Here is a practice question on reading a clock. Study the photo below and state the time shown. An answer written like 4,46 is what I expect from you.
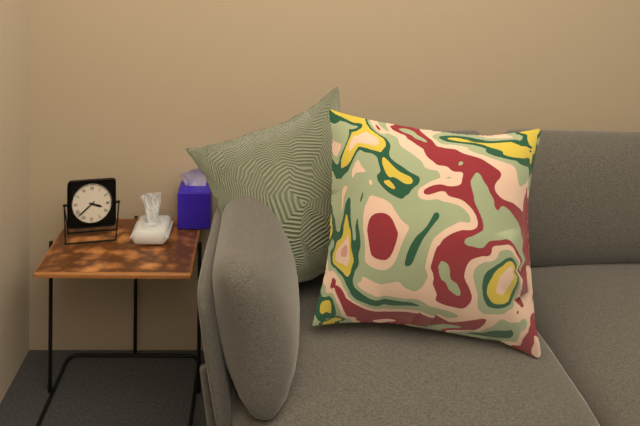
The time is 3,38
